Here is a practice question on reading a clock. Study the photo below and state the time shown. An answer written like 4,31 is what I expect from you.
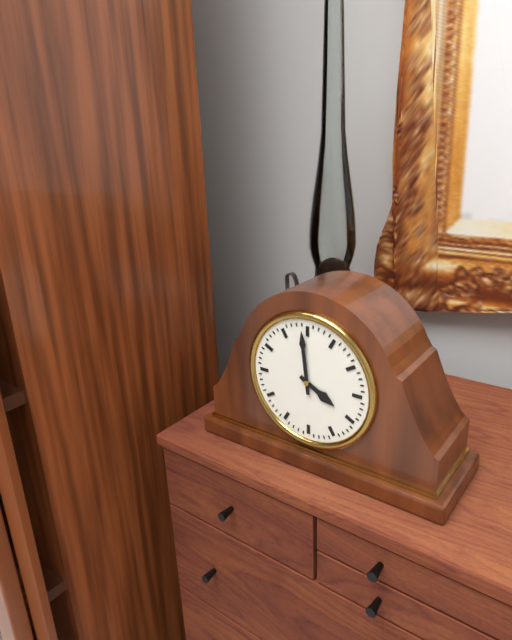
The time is 3,59
